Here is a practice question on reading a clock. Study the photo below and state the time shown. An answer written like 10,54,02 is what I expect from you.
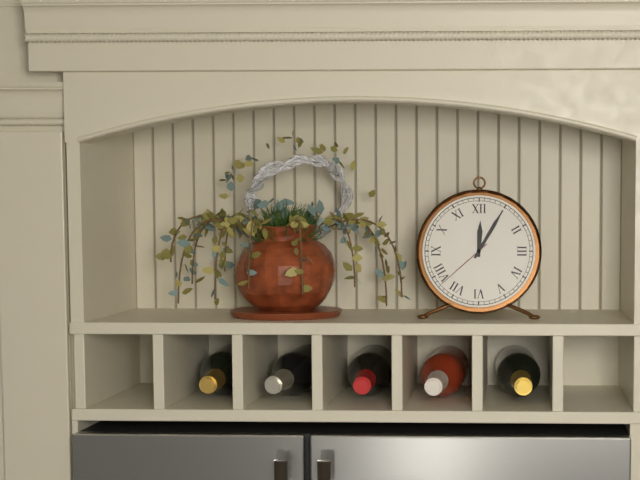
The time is 12,05,38
